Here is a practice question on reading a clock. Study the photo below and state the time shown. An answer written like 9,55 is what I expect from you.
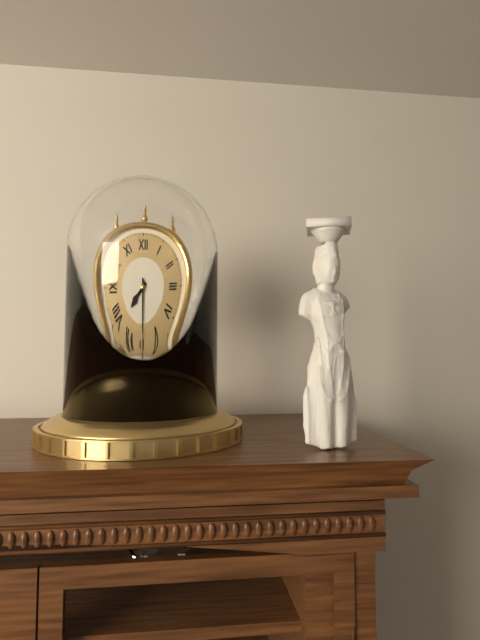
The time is 7,30
